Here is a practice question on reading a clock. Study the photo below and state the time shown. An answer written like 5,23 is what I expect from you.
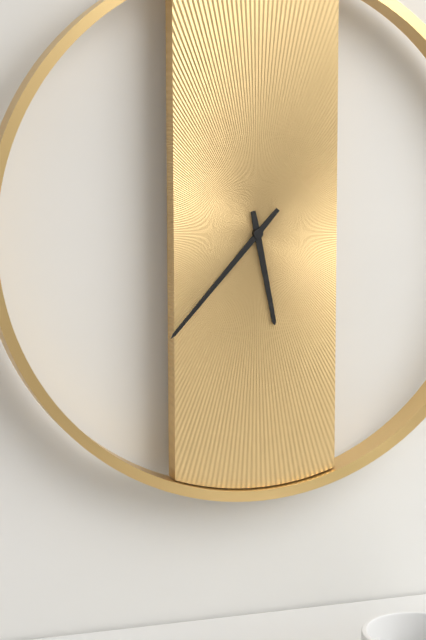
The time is 5,37
